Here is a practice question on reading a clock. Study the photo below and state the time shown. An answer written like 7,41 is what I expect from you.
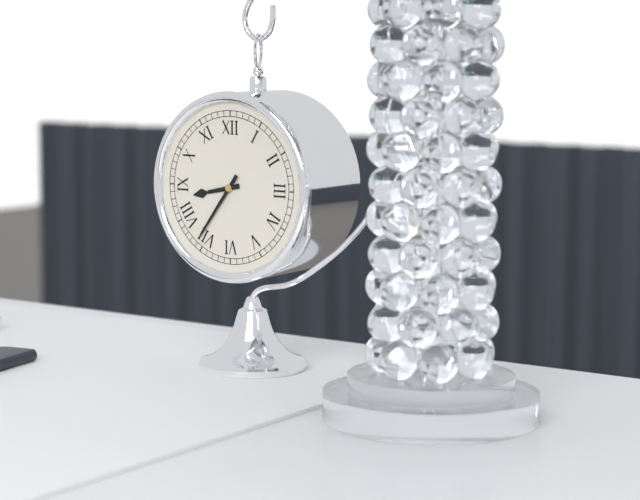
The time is 8,36
